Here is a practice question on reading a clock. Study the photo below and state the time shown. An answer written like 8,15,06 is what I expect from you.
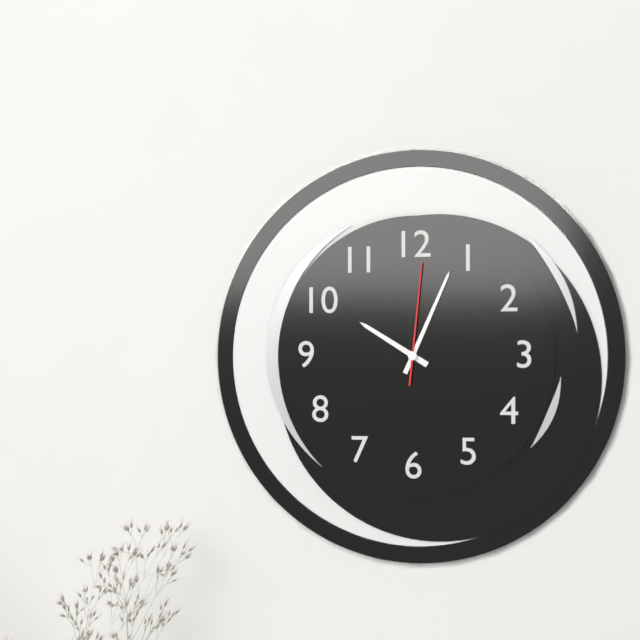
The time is 10,04,01
